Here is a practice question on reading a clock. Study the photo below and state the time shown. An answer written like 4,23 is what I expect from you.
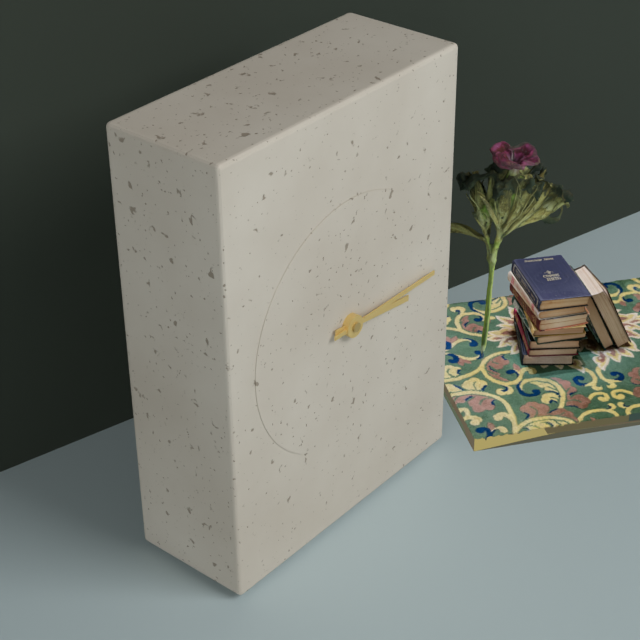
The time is 3,15
